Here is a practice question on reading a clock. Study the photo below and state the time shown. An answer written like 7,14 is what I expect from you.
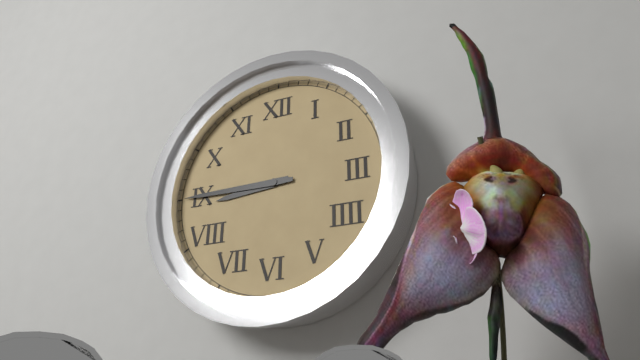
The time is 8,45
